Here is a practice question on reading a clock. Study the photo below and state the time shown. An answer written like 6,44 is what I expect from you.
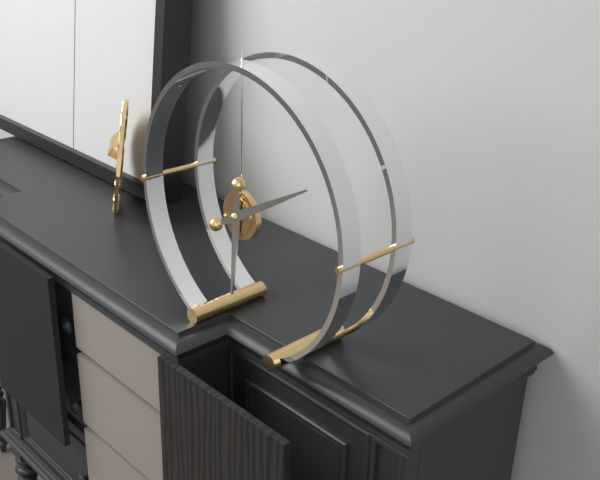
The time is 6,10
